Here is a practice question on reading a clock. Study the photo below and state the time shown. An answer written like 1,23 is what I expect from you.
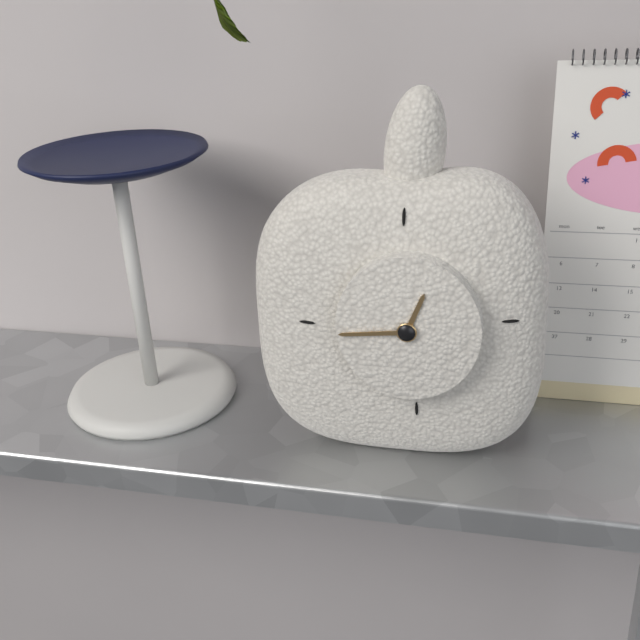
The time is 12,44
